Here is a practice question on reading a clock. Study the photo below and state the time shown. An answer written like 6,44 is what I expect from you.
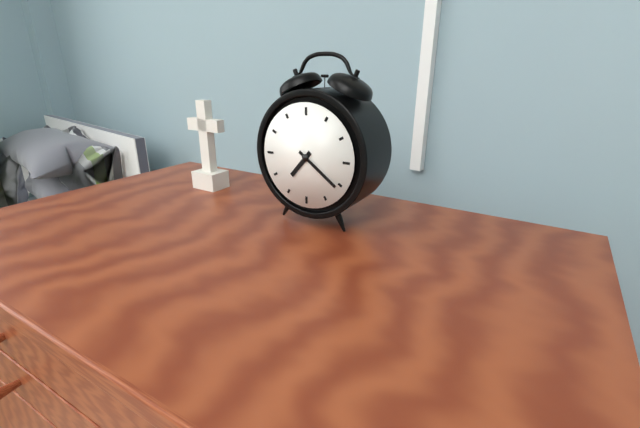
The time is 7,21
